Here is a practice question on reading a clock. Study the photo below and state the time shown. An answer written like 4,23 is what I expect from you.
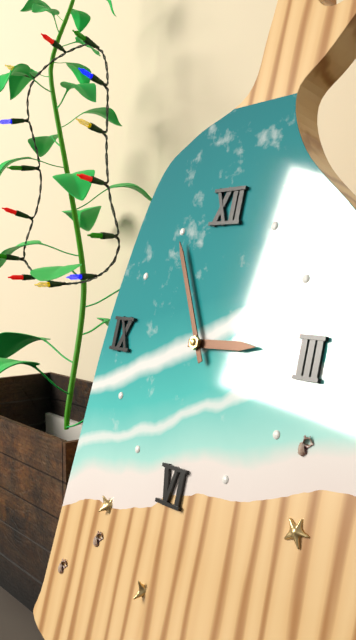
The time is 2,55
